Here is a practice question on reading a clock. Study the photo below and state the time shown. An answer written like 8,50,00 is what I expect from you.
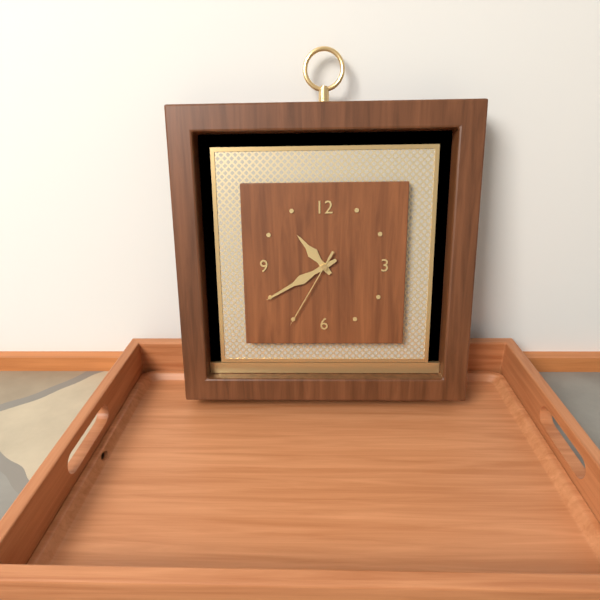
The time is 10,40,35
